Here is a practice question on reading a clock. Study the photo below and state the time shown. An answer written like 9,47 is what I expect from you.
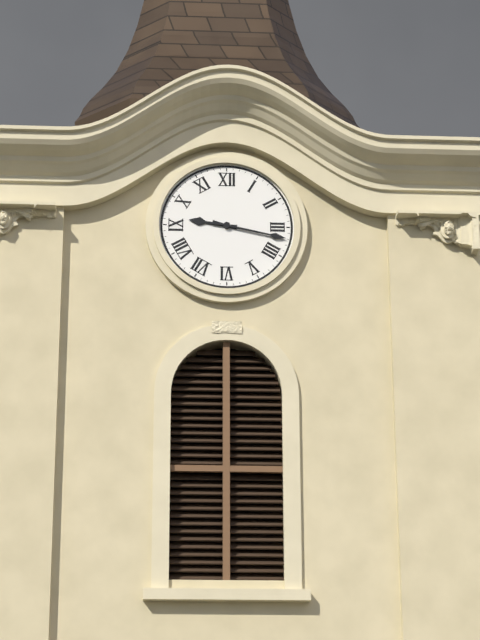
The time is 9,17
